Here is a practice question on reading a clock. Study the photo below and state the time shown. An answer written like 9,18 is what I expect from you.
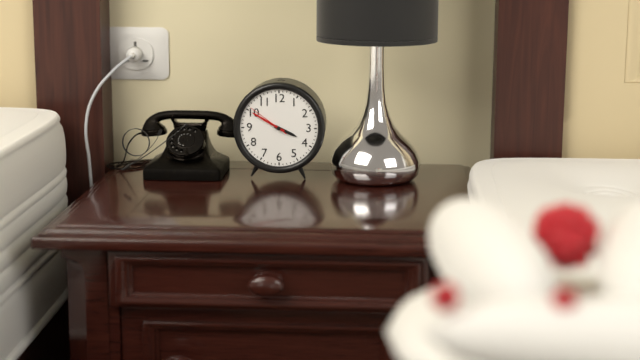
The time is 3,50
